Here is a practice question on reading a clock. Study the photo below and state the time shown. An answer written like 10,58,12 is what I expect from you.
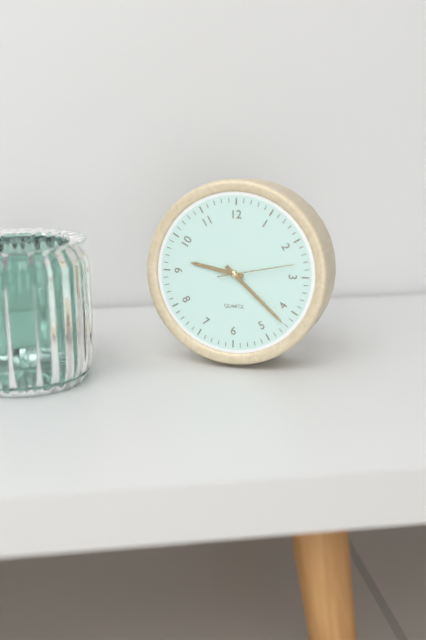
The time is 9,22,13
